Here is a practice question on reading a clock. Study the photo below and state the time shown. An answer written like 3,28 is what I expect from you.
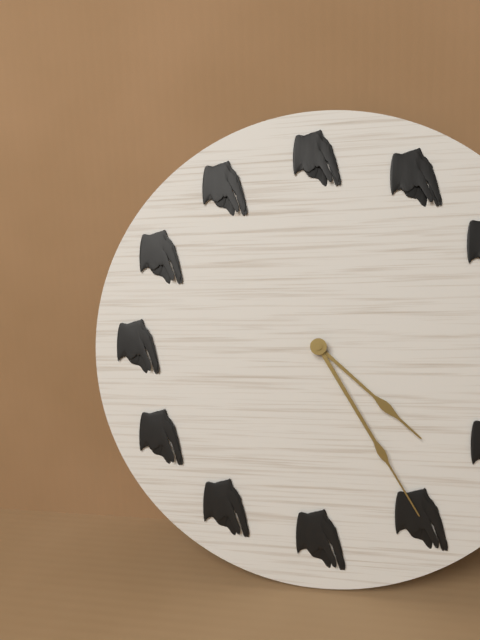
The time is 4,25
